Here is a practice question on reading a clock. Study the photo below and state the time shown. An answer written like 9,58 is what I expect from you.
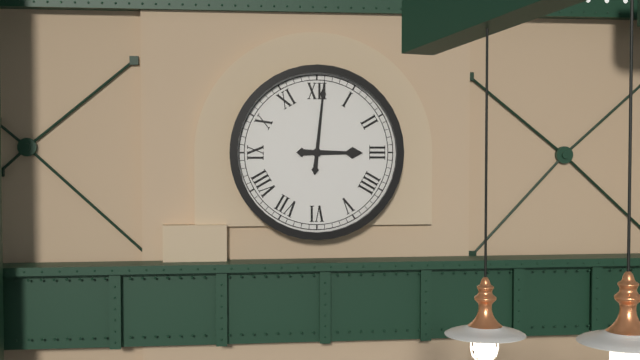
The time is 3,01
